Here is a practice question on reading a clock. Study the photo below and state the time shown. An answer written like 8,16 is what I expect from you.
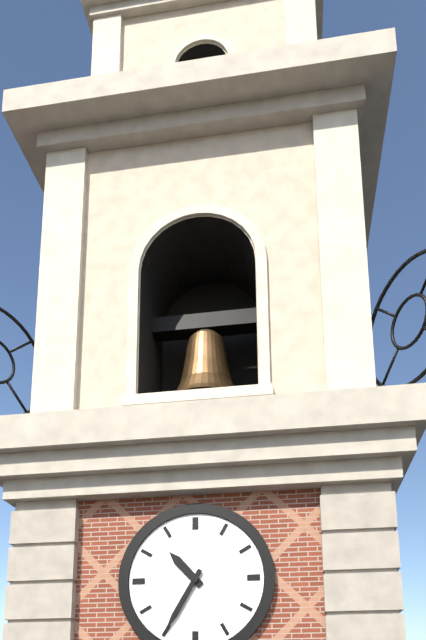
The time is 10,35
